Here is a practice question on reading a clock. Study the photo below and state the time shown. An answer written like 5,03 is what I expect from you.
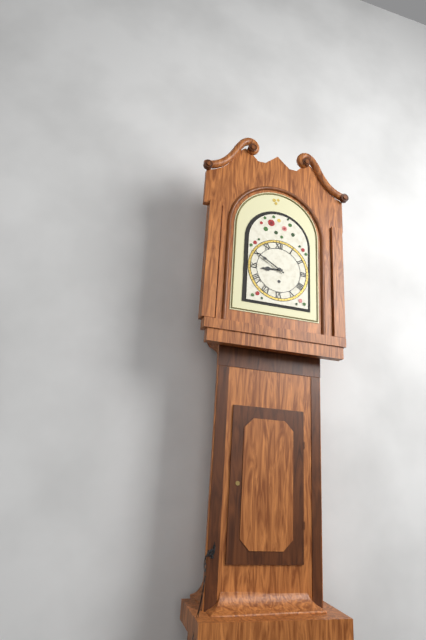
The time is 8,50
